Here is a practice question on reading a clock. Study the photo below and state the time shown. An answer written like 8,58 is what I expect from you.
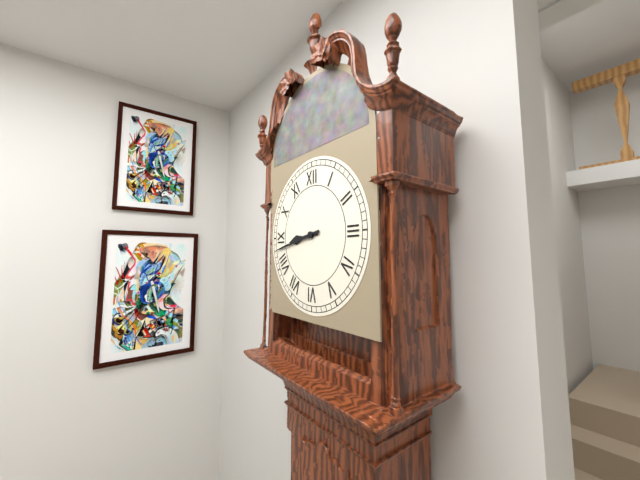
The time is 8,43
